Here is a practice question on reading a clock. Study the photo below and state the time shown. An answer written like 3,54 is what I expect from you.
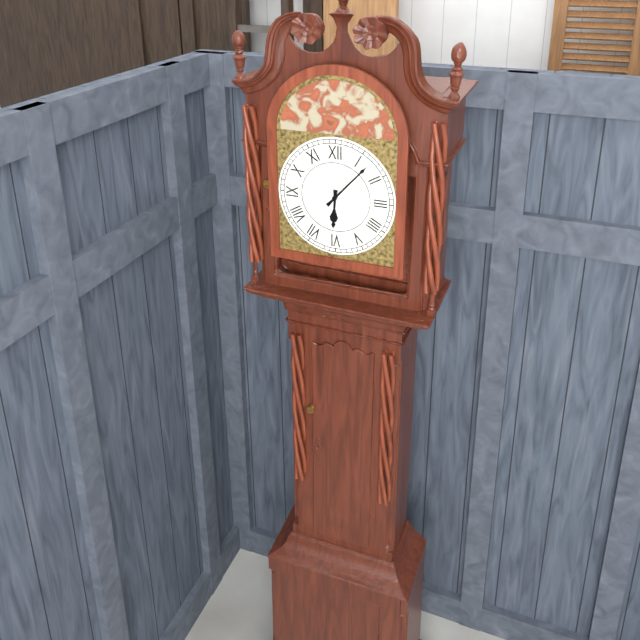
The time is 6,07
